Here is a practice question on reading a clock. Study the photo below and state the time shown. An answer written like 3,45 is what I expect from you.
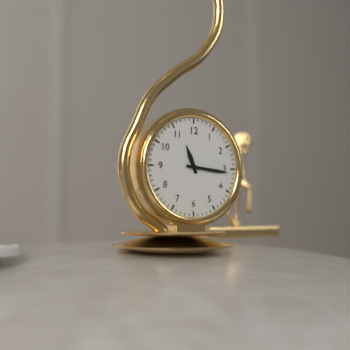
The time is 11,16
